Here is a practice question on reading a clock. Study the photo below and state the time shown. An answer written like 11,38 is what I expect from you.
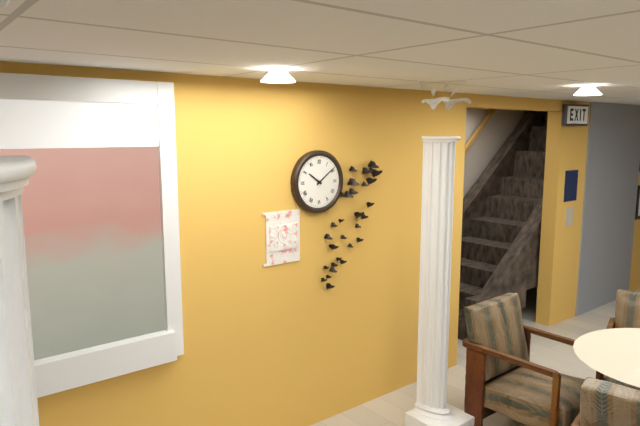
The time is 10,09
